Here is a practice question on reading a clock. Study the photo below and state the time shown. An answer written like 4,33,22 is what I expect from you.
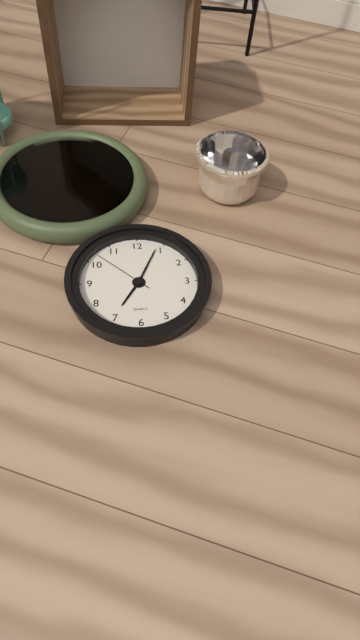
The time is 7,04,52
